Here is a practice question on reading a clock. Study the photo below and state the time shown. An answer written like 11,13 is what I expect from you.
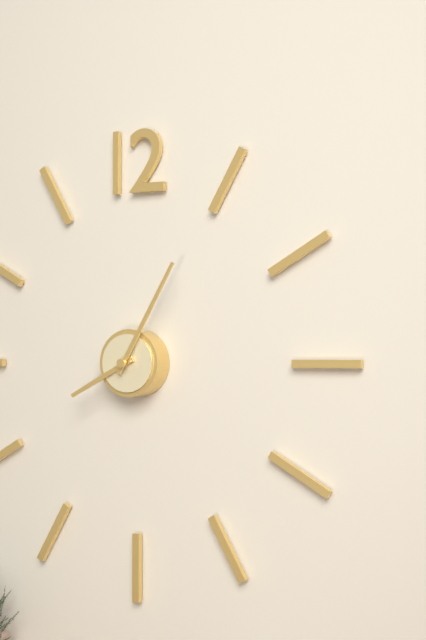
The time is 8,05
